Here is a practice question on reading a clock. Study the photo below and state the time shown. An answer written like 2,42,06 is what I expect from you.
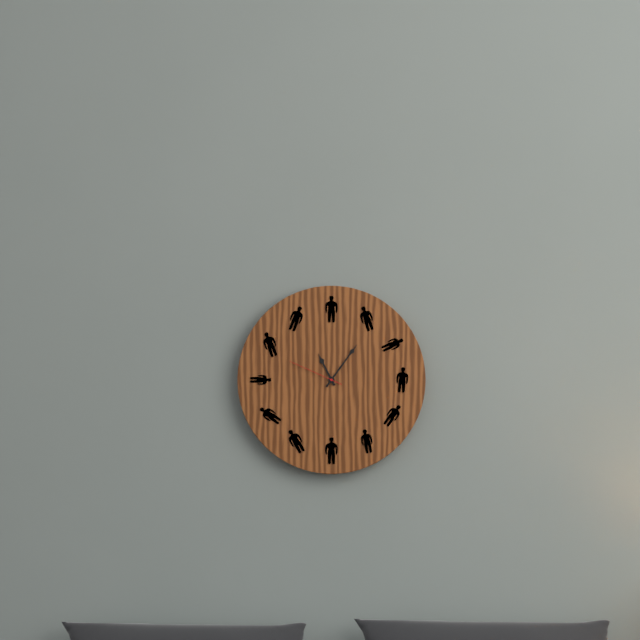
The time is 11,06,49
